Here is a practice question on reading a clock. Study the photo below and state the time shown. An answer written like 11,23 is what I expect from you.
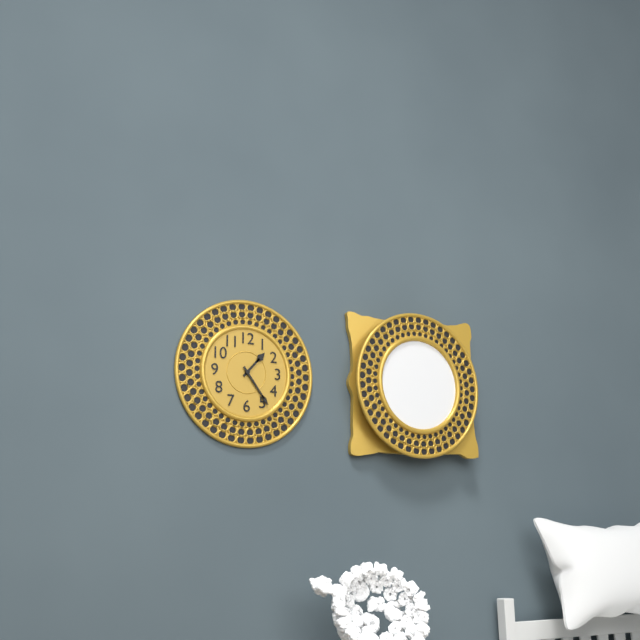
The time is 1,24
